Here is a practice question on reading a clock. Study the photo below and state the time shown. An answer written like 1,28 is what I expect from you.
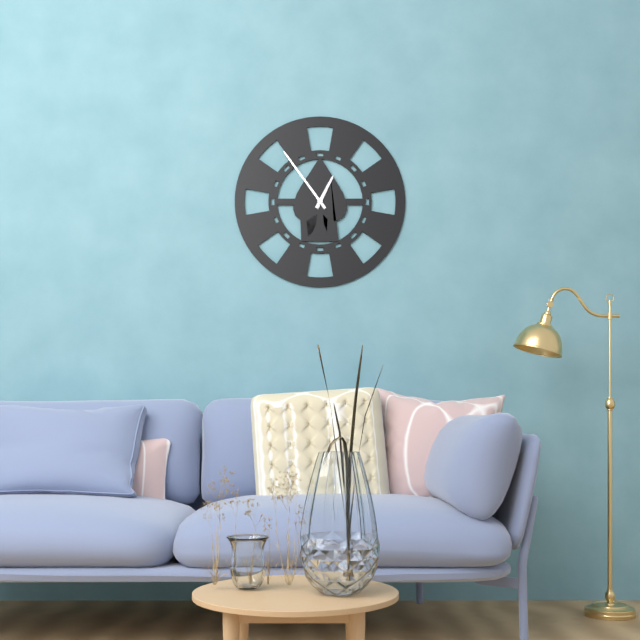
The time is 12,54
